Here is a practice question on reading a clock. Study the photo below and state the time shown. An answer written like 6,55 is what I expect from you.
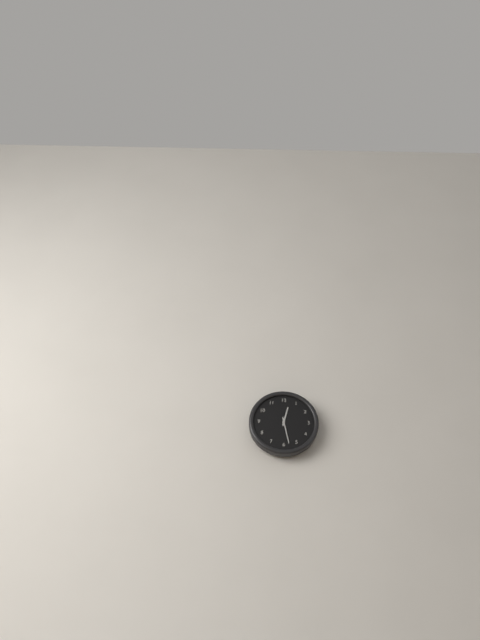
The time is 12,28
